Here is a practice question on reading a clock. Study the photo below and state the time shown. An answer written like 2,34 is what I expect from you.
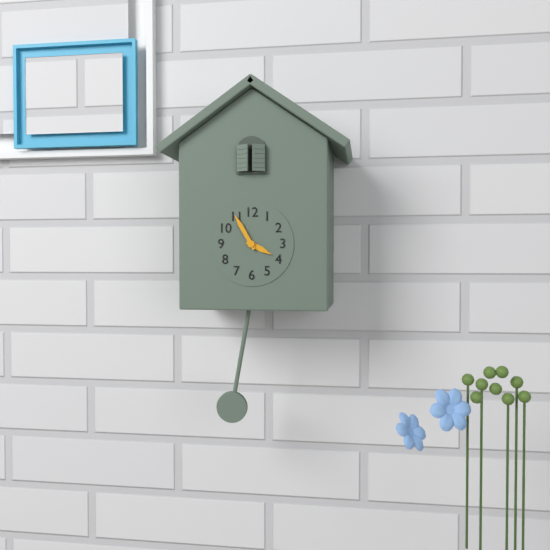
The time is 3,55
